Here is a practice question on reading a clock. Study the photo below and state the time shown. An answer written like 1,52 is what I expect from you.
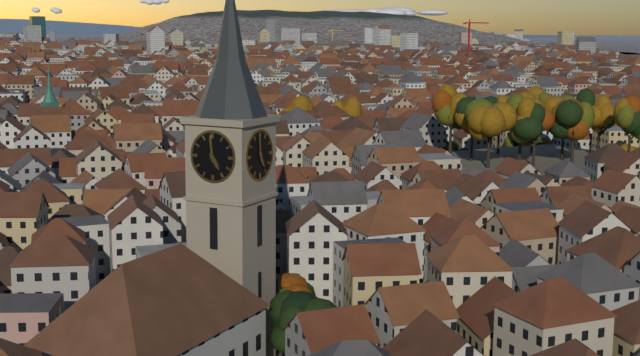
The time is 4,59
